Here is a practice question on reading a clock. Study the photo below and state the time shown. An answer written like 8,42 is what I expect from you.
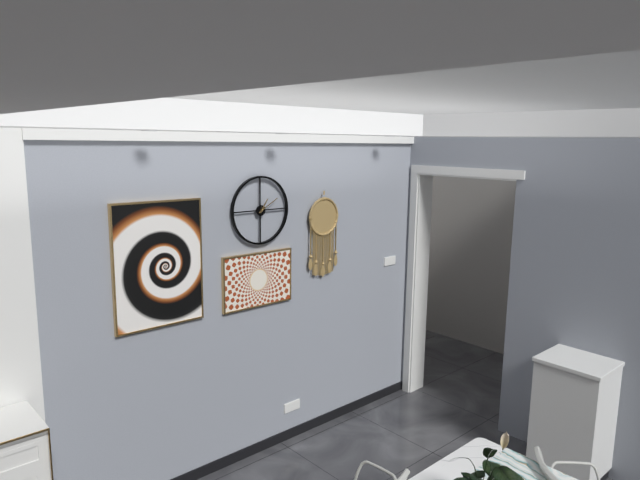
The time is 1,10
